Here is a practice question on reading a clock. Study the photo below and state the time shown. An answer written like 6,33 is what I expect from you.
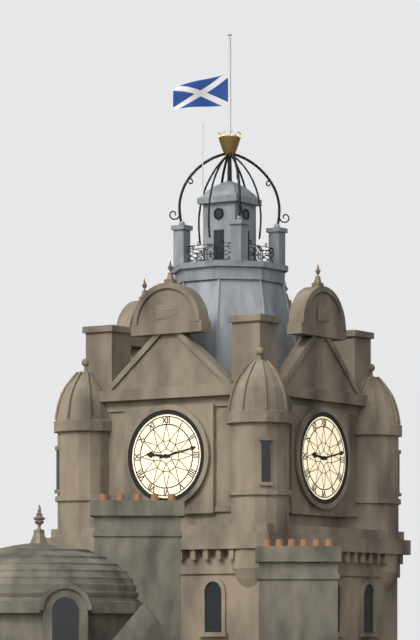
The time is 9,13
